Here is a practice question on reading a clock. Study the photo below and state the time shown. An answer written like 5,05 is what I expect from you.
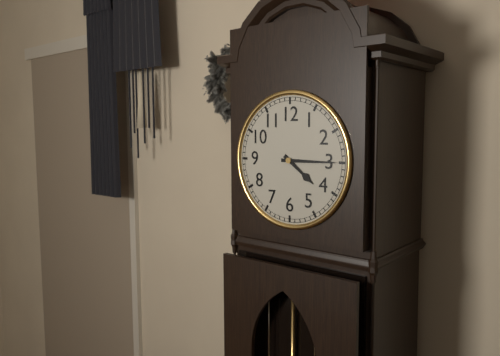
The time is 4,15
